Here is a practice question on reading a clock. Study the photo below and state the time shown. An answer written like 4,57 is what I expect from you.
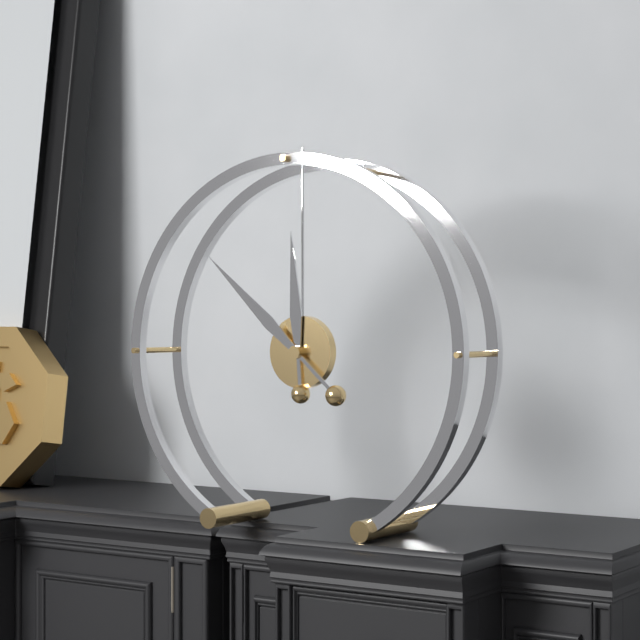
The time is 11,52
